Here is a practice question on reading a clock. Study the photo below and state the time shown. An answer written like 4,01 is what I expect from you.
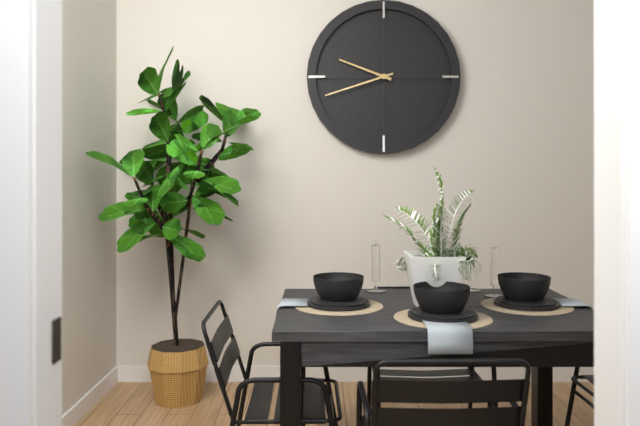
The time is 9,42
